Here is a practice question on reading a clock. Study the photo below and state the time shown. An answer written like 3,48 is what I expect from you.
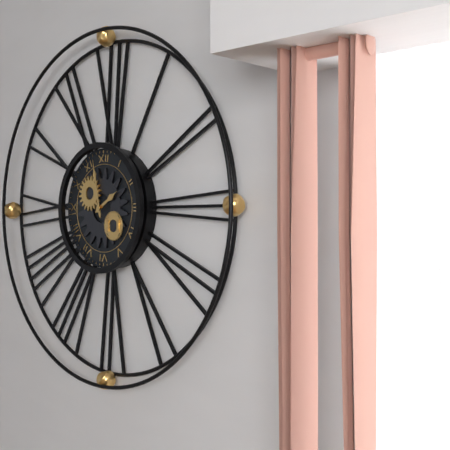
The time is 1,58
